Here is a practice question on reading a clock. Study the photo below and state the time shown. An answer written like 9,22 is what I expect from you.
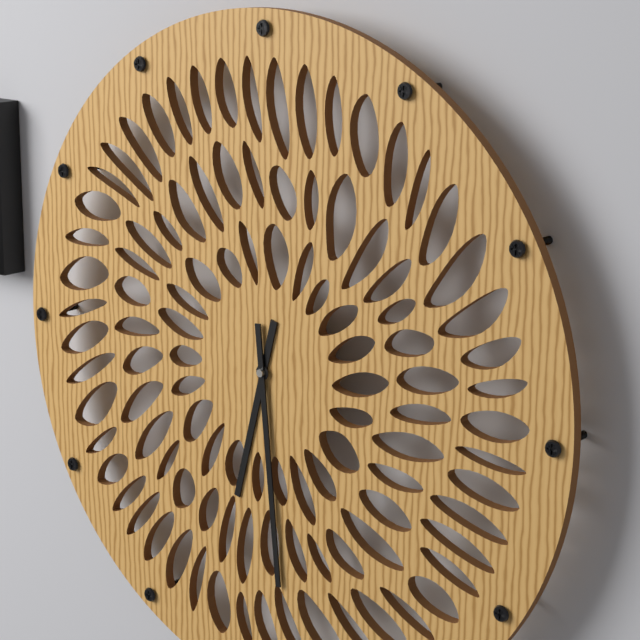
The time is 6,29
